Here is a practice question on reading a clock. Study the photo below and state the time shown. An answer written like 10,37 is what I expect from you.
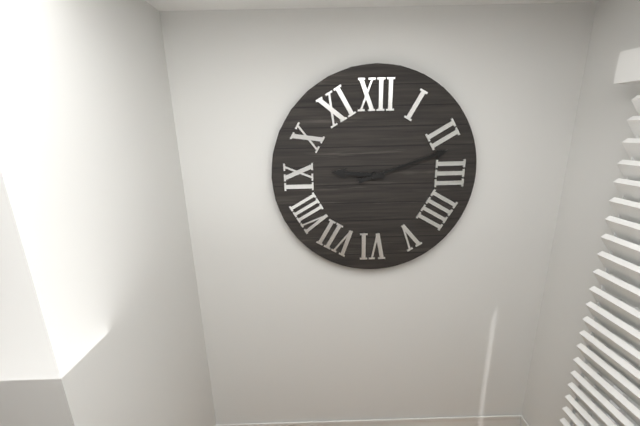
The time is 9,12
